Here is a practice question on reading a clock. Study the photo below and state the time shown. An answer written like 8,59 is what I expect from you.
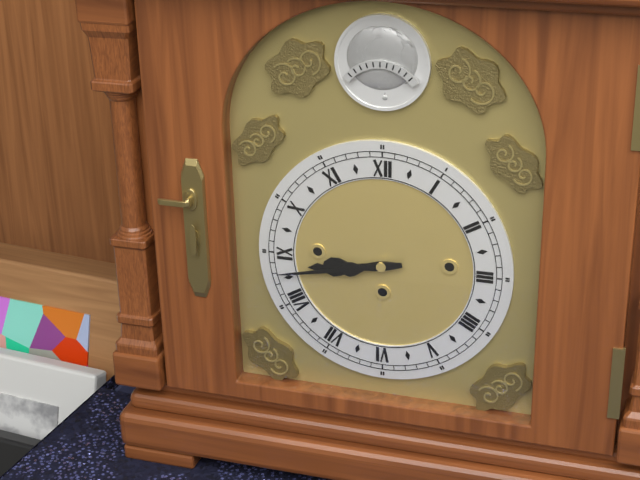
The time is 8,43
